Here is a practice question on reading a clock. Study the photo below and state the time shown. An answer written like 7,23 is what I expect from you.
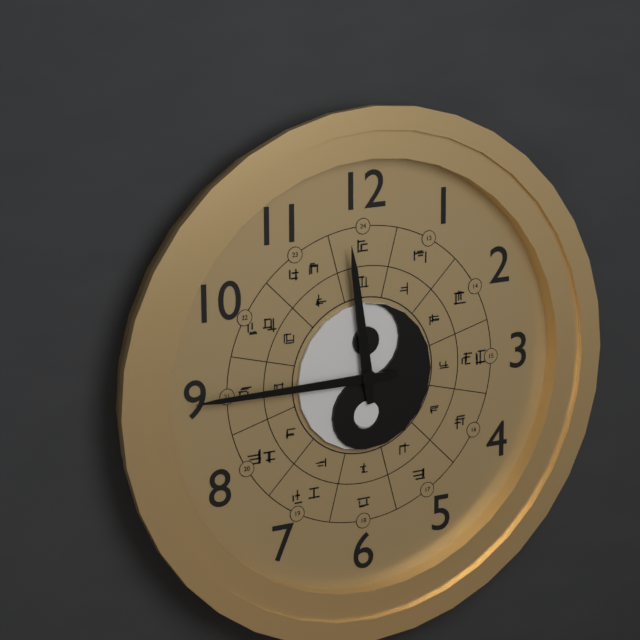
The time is 11,45
